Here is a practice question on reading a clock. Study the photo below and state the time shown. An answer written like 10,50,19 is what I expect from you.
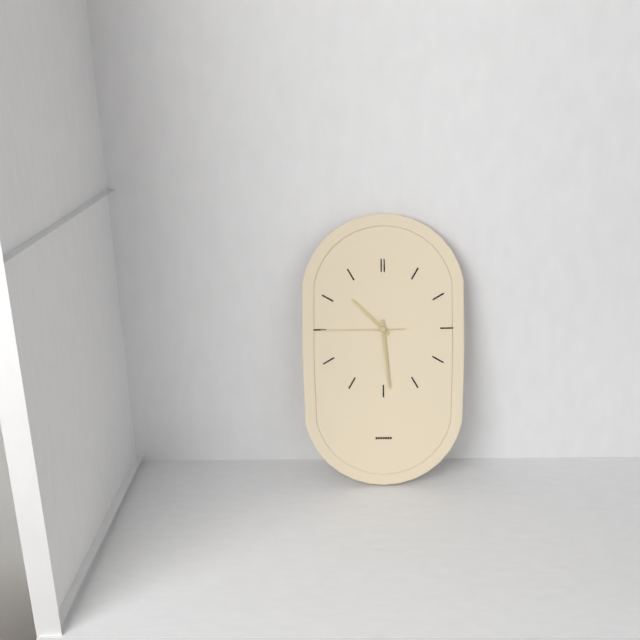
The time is 10,29,45
